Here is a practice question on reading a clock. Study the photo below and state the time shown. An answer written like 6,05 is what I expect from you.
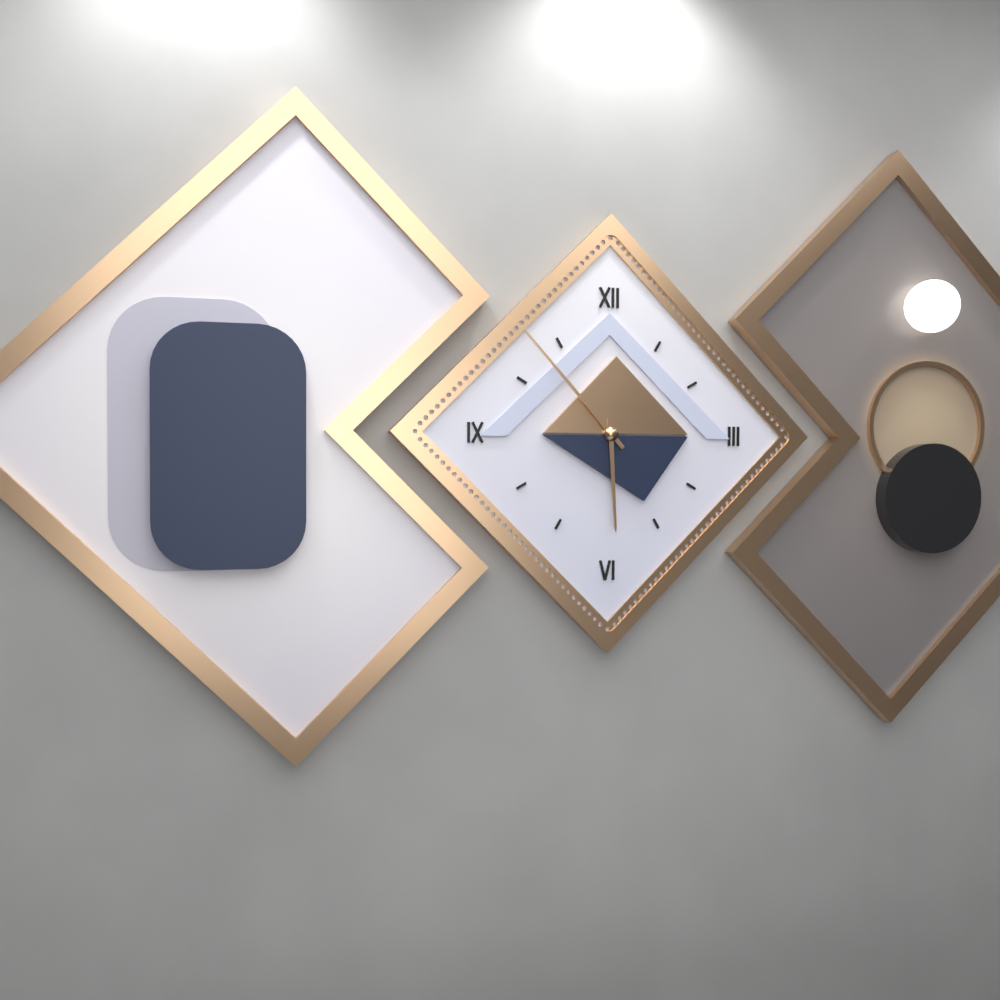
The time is 5,53
